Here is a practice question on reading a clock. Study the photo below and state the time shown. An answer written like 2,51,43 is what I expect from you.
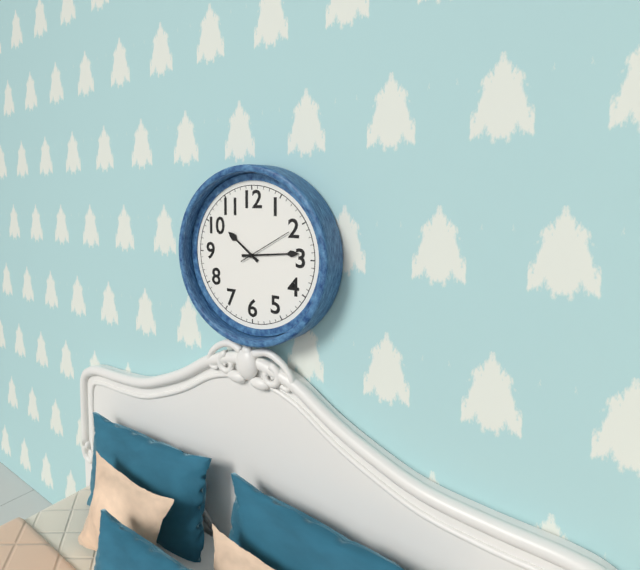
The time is 10,14,10
